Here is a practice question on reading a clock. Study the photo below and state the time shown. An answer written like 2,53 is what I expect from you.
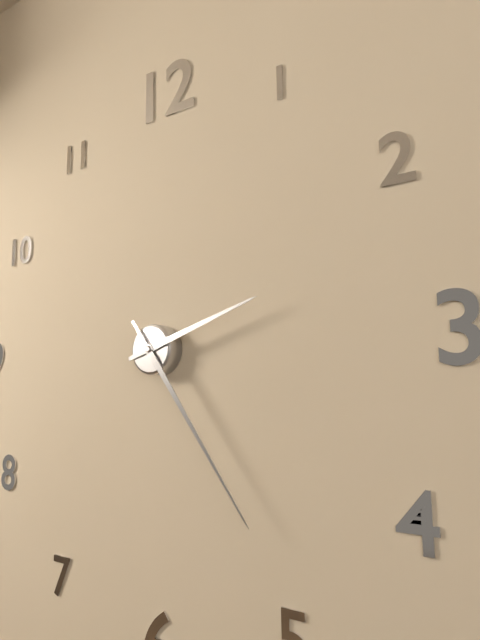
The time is 2,24
